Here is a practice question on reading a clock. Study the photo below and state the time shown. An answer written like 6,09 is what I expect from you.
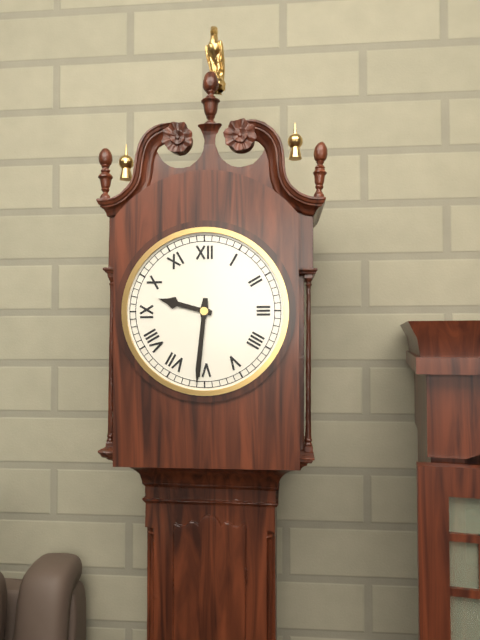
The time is 9,31
